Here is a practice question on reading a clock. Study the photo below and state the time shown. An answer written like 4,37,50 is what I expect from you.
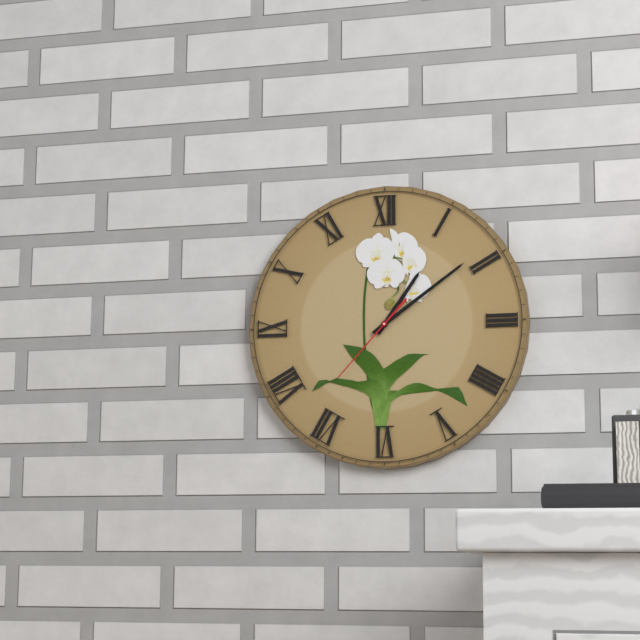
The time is 1,09,37
